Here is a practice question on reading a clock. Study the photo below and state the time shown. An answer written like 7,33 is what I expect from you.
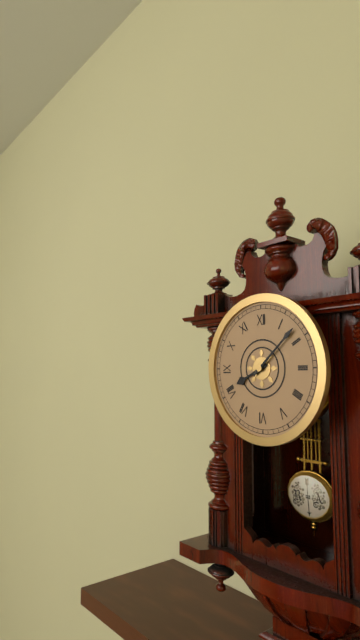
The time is 8,08
